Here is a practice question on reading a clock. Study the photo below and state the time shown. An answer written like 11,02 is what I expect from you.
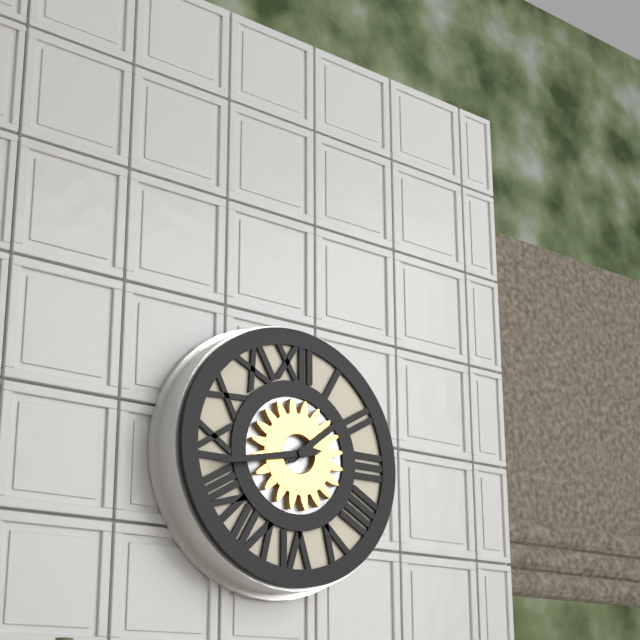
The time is 1,43
